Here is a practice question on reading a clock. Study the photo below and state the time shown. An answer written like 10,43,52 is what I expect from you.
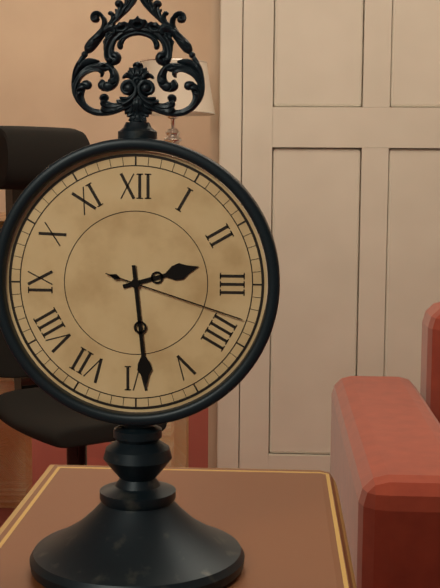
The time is 2,29,18
